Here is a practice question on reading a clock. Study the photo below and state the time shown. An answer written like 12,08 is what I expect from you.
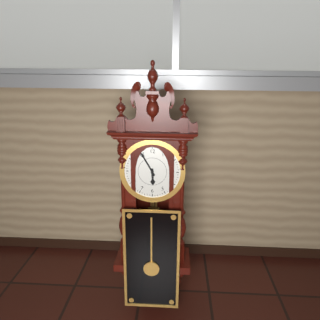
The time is 5,55
